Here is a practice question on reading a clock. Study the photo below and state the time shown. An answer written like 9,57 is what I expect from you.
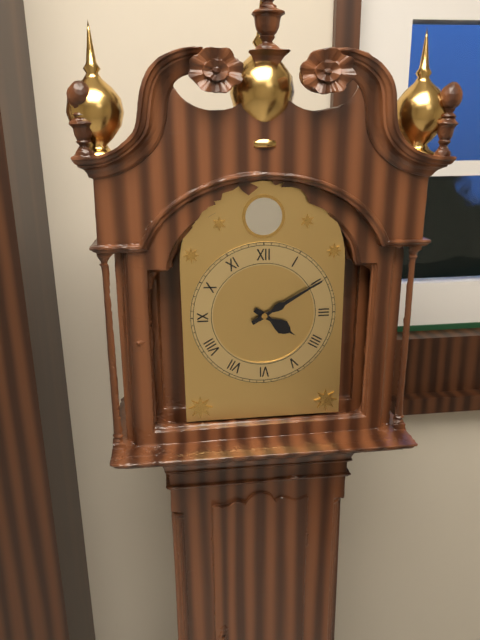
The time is 4,10
